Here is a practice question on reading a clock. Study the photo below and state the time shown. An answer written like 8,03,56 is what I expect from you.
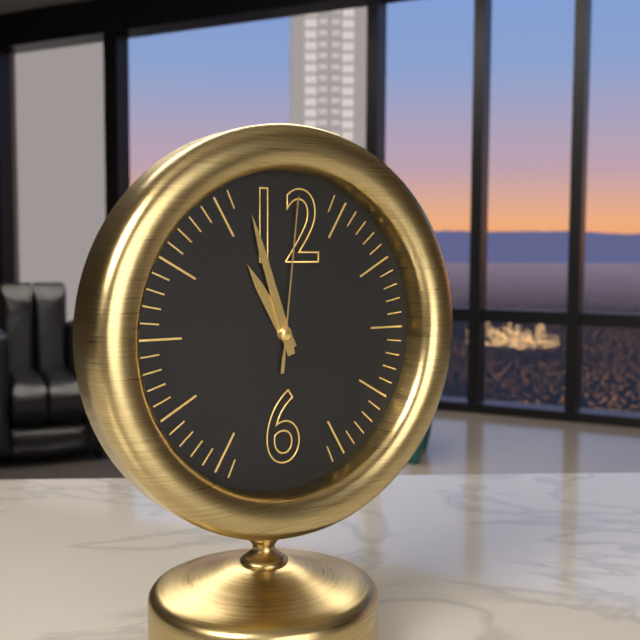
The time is 10,57,01
